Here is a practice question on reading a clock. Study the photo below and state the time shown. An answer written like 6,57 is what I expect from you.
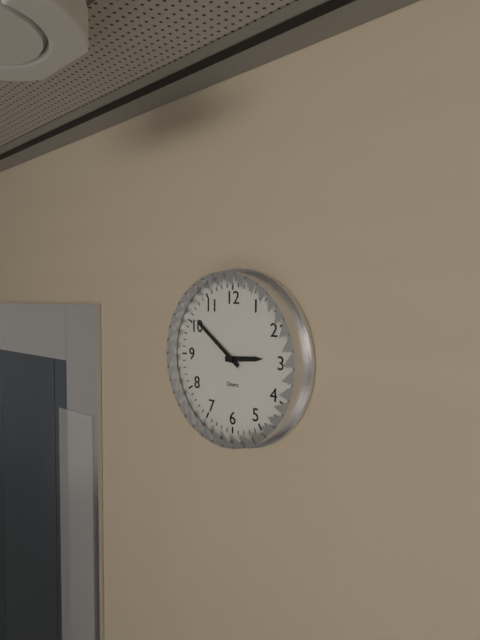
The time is 2,51
